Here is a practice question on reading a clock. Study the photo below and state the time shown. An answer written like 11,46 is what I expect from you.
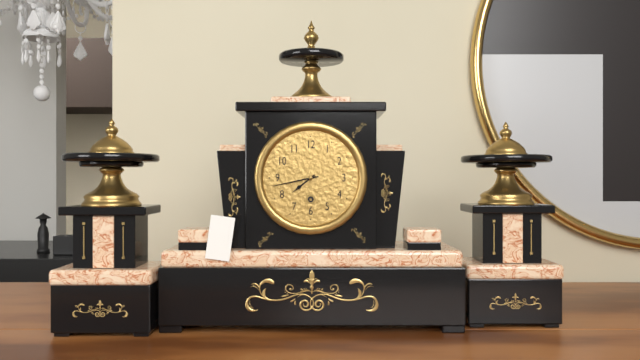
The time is 7,43
